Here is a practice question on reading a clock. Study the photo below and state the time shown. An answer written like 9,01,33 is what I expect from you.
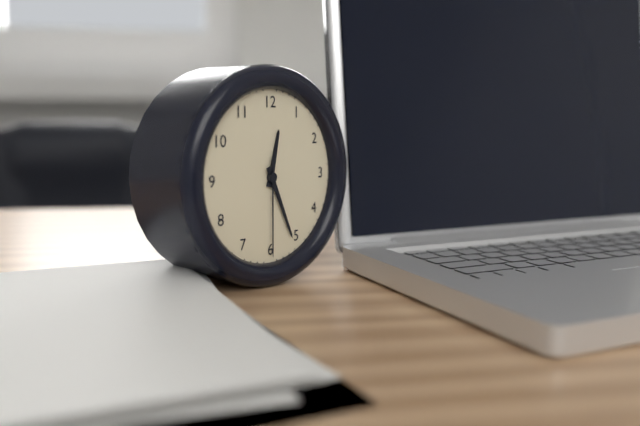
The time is 12,26,30
